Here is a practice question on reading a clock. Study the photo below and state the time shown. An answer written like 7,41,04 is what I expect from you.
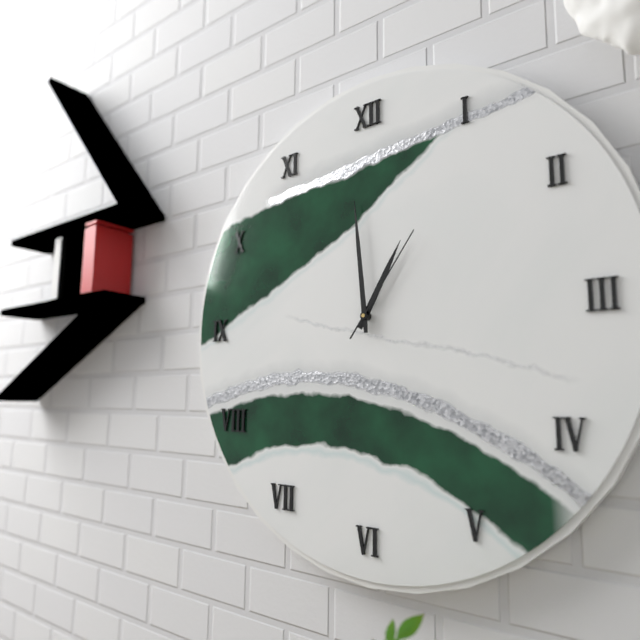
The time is 12,59,06
